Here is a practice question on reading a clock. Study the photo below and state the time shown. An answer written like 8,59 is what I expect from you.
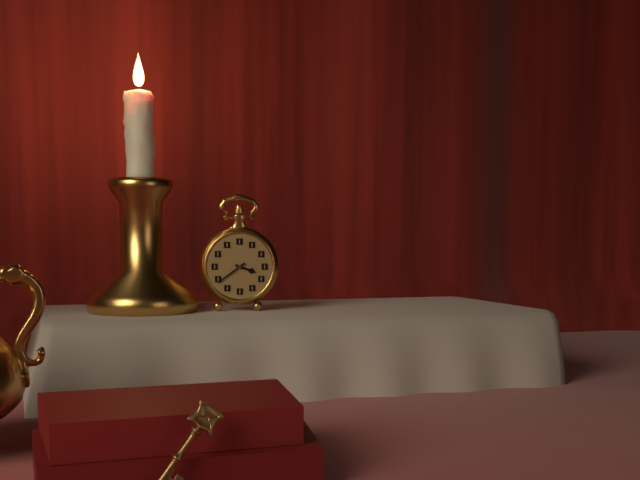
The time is 3,39
